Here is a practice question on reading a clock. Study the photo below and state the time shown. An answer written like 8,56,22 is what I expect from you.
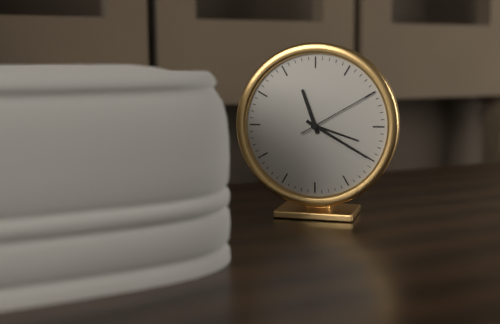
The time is 11,20,10
